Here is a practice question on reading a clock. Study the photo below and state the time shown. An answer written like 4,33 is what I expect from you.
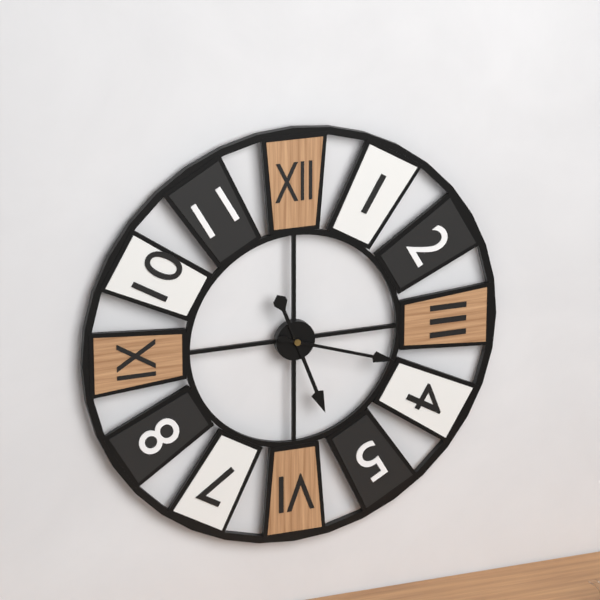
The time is 5,18
